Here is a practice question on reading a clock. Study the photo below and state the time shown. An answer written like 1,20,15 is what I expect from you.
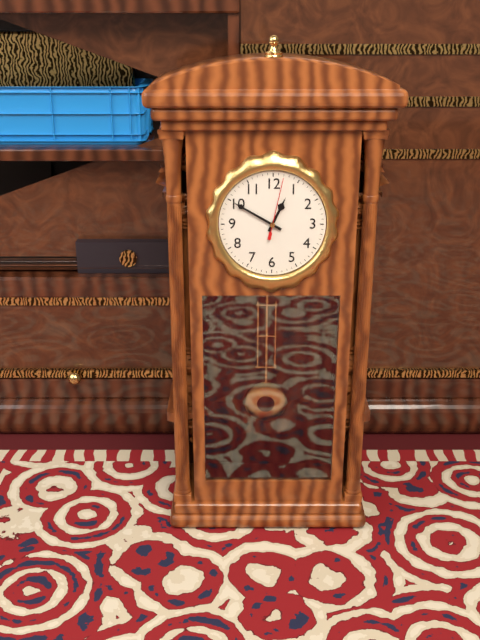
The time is 12,50,02
